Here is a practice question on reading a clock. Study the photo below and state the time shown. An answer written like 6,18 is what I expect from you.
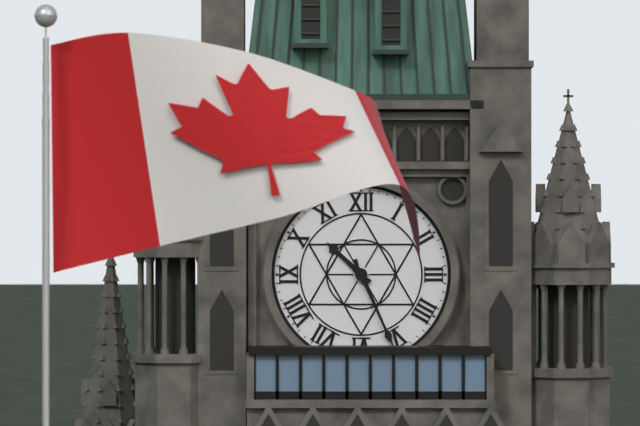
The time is 10,26
